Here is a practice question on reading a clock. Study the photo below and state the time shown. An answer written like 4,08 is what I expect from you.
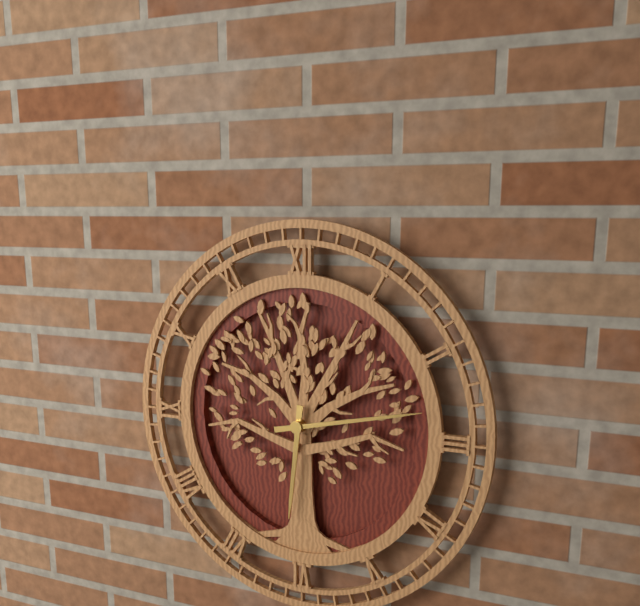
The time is 6,13
